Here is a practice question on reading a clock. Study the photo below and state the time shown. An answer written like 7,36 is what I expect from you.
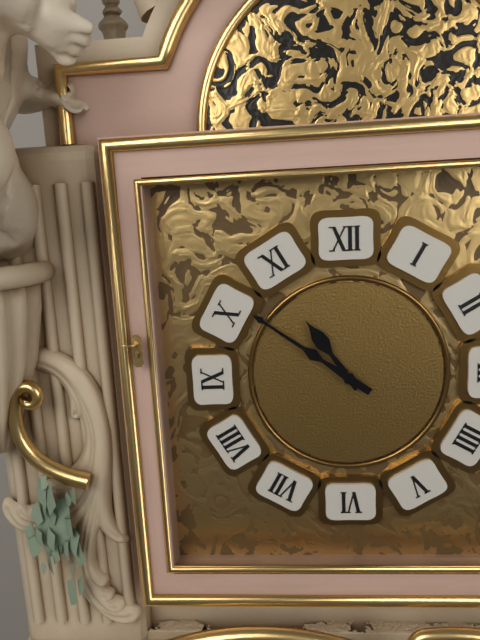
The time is 10,51
